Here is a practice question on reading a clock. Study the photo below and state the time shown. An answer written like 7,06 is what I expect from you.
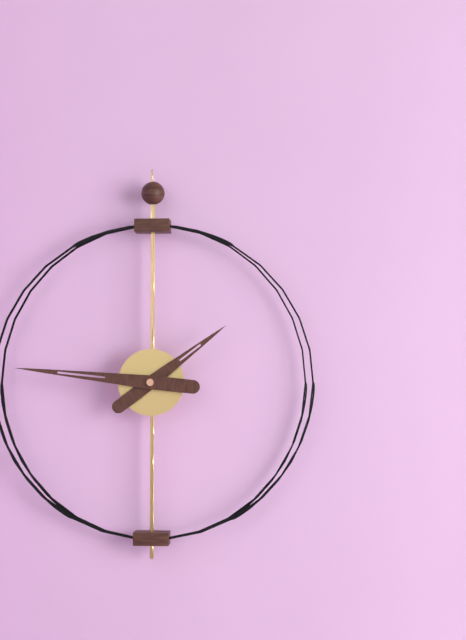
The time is 1,46
